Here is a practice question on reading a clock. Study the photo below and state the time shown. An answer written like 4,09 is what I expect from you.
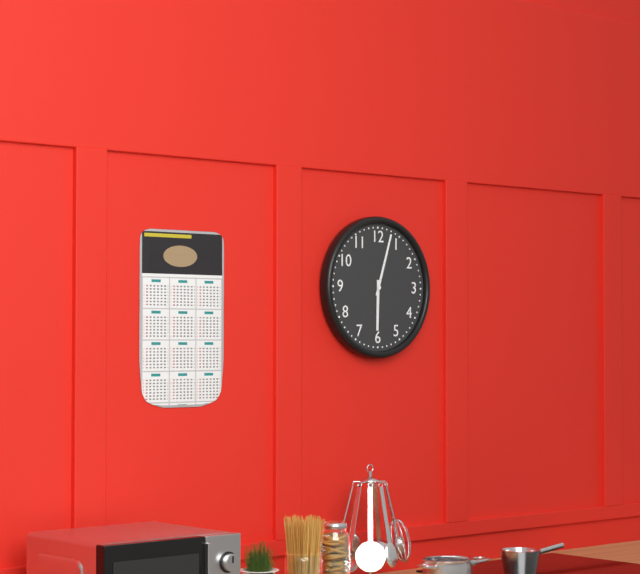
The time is 6,03
